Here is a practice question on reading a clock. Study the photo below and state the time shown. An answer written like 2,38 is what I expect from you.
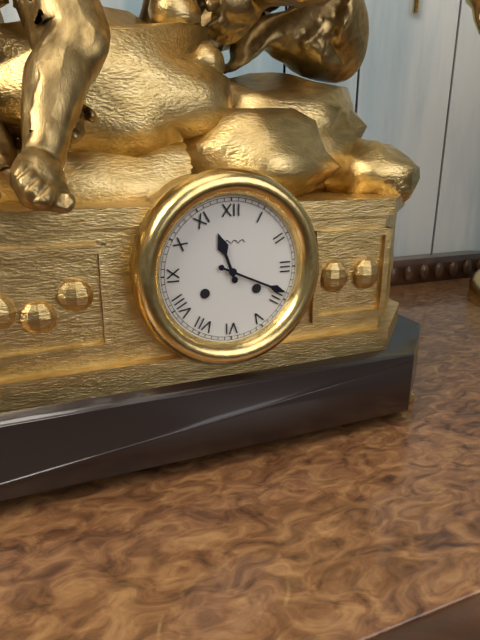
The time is 11,19
